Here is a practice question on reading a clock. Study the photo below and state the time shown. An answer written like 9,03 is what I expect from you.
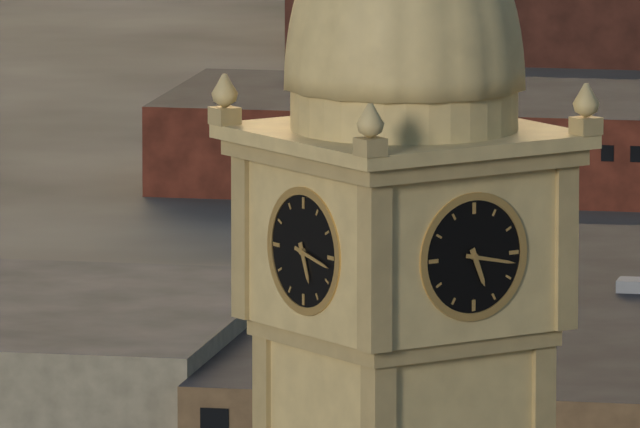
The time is 5,17
